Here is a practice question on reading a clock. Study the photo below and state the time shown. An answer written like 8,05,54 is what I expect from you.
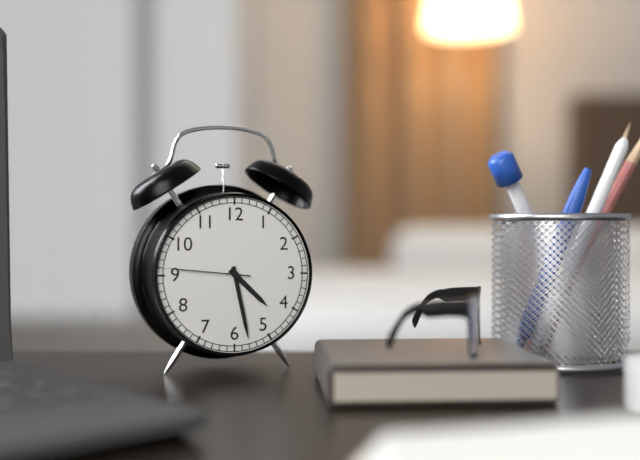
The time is 4,28,46
